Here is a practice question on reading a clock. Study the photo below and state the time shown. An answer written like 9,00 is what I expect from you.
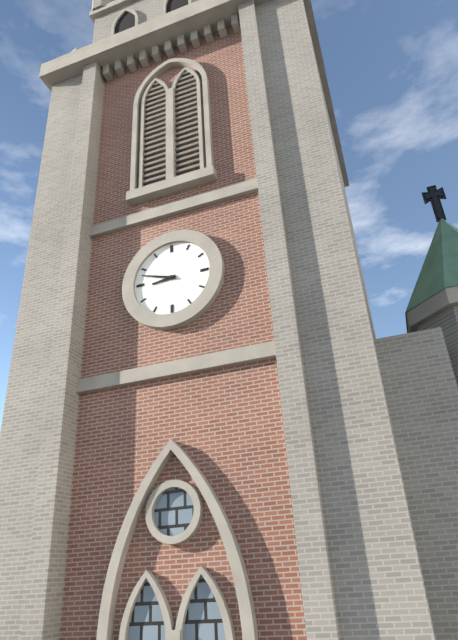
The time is 8,48
